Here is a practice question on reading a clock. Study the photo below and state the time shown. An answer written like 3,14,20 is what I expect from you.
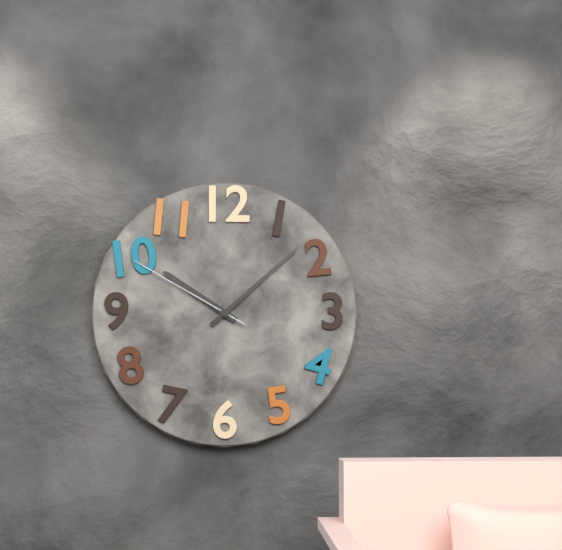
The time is 10,08,50
